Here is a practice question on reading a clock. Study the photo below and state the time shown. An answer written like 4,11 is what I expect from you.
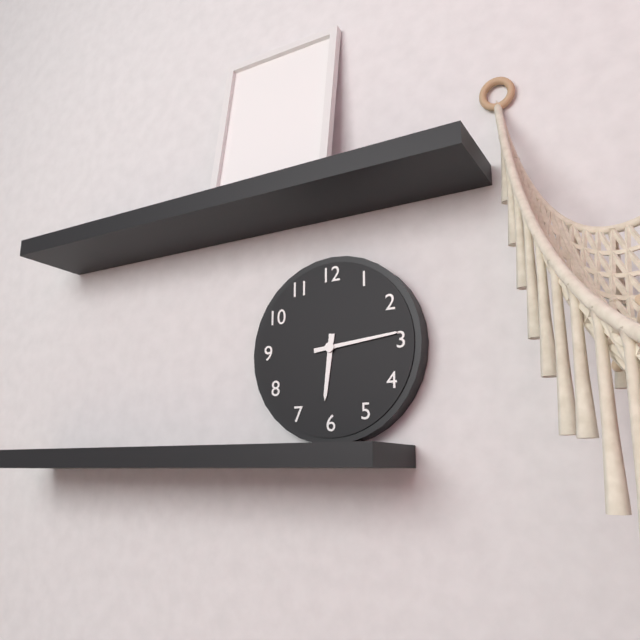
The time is 6,14
